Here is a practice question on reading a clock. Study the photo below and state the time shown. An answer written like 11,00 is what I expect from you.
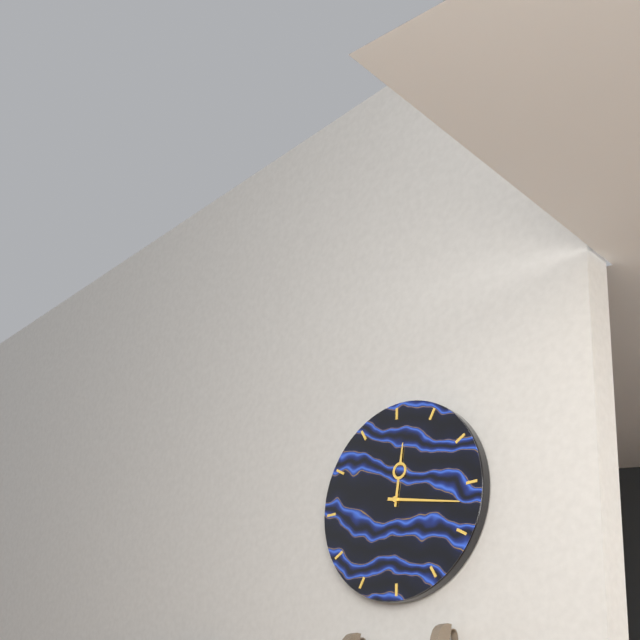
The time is 12,17
